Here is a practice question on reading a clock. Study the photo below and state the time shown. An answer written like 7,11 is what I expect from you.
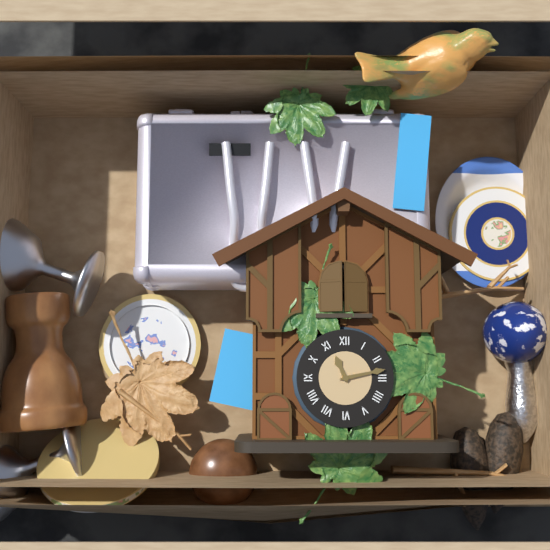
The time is 11,13
